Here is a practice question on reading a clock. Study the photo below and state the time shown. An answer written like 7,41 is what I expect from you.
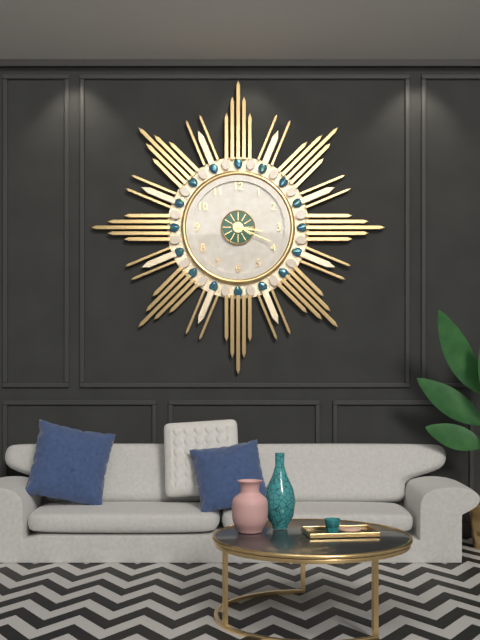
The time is 3,19
